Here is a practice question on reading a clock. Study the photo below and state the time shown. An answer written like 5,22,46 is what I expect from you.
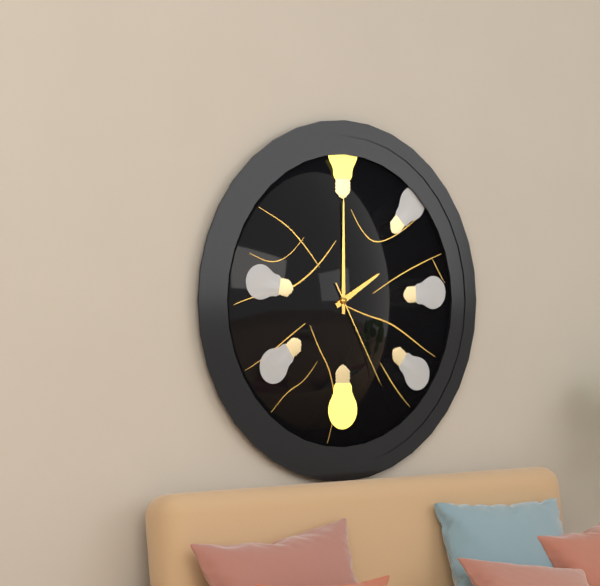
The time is 2,00,25
